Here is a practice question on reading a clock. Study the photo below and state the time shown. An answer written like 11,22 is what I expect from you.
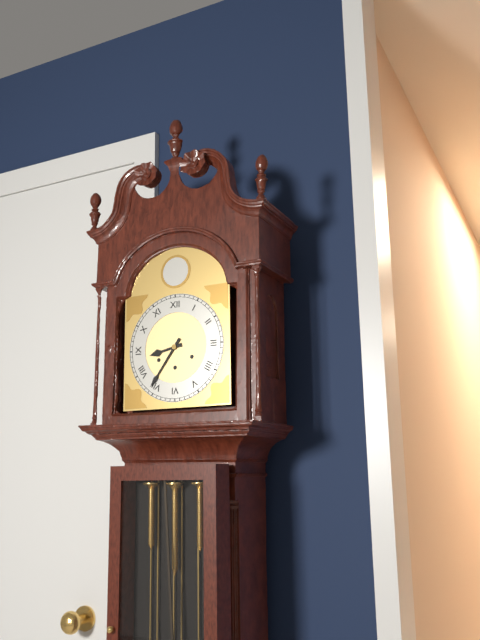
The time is 8,36
